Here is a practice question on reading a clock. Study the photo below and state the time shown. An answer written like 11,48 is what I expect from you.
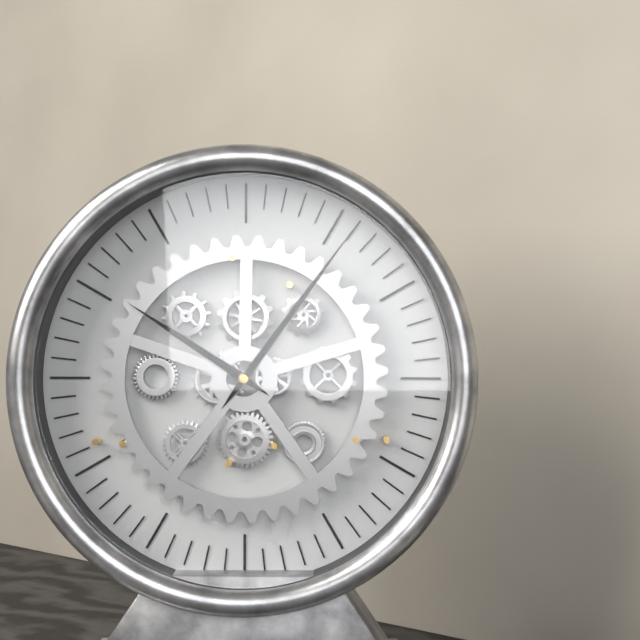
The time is 10,06
